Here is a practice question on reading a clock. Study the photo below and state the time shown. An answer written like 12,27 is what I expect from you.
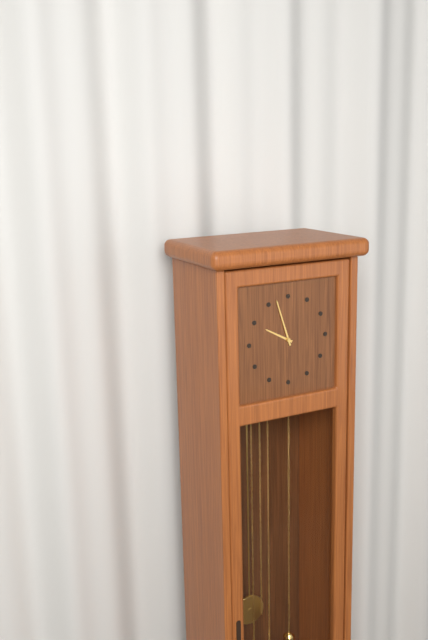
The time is 9,57
